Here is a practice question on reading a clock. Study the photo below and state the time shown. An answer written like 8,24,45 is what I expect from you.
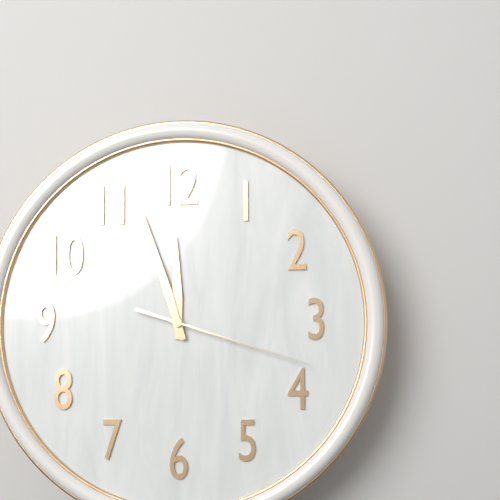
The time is 11,57,18
